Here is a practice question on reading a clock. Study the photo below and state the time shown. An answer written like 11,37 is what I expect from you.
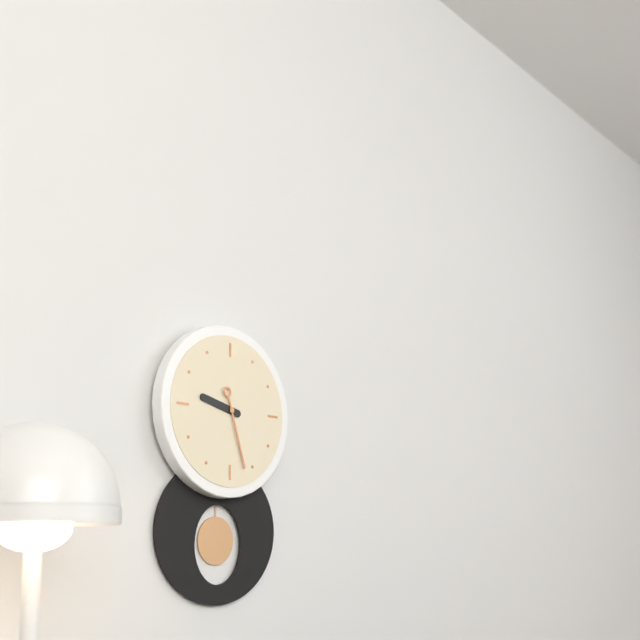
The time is 9,27
